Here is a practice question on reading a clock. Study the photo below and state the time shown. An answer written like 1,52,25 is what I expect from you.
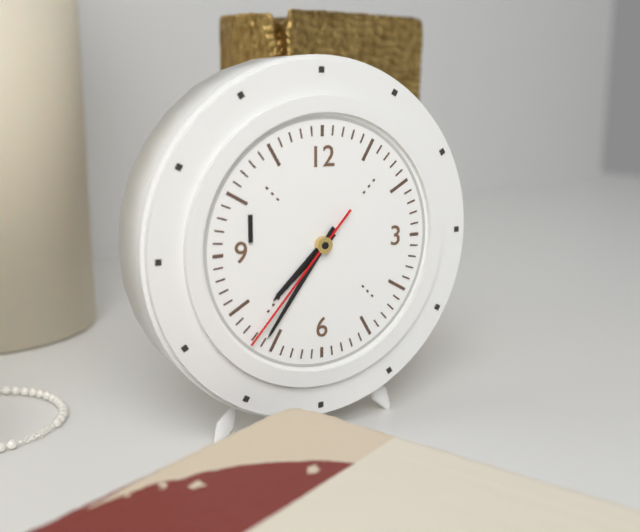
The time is 7,36,37
